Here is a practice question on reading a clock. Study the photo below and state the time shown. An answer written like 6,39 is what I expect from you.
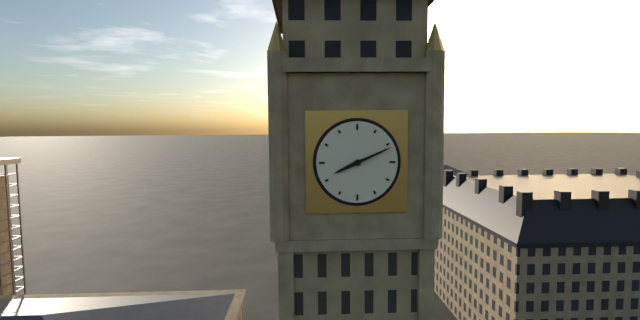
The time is 8,11
